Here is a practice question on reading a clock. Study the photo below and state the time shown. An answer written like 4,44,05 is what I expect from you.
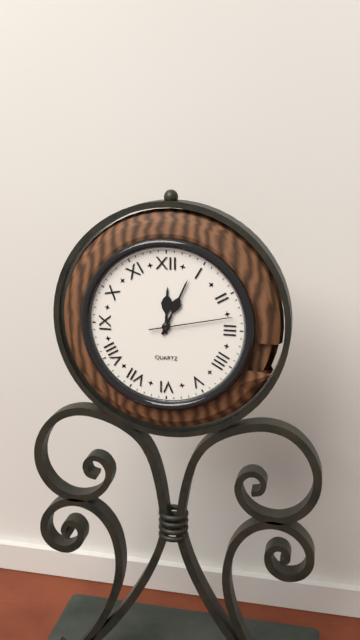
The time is 12,04,13
